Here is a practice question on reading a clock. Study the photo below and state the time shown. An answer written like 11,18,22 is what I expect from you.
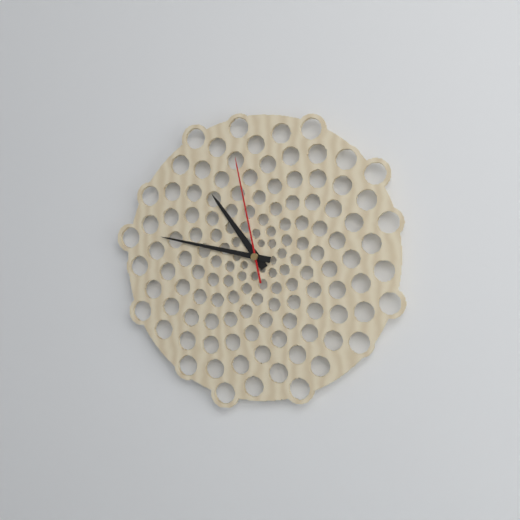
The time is 10,47,58
